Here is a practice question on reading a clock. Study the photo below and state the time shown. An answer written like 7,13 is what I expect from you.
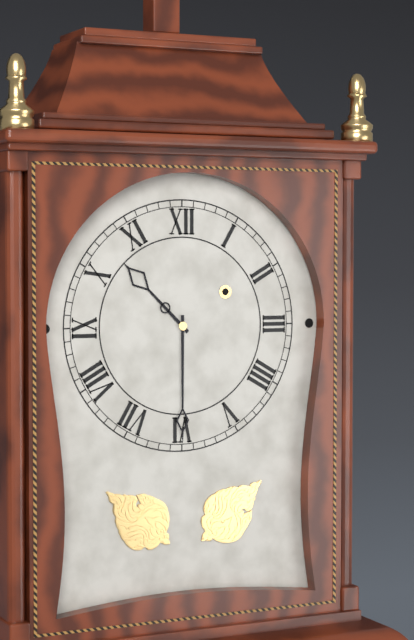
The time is 10,30
